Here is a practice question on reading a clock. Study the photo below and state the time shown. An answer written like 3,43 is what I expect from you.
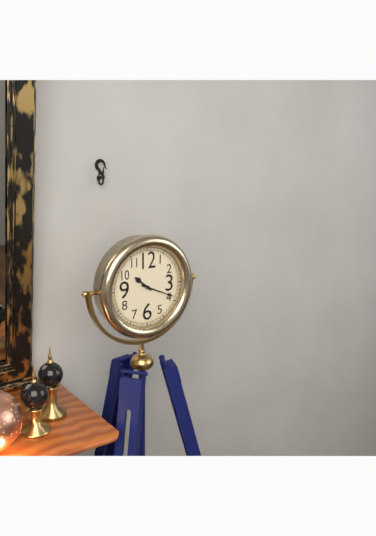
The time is 10,19
